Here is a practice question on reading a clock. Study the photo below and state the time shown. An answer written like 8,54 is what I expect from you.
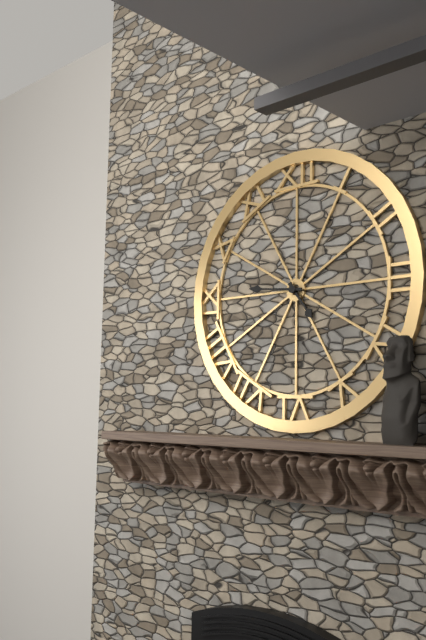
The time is 4,46
